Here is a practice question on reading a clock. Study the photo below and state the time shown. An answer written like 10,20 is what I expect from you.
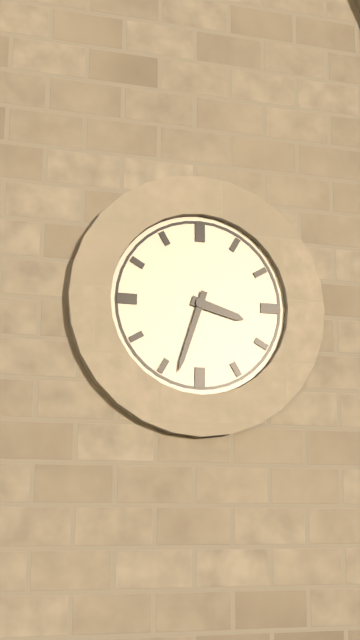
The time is 3,33
